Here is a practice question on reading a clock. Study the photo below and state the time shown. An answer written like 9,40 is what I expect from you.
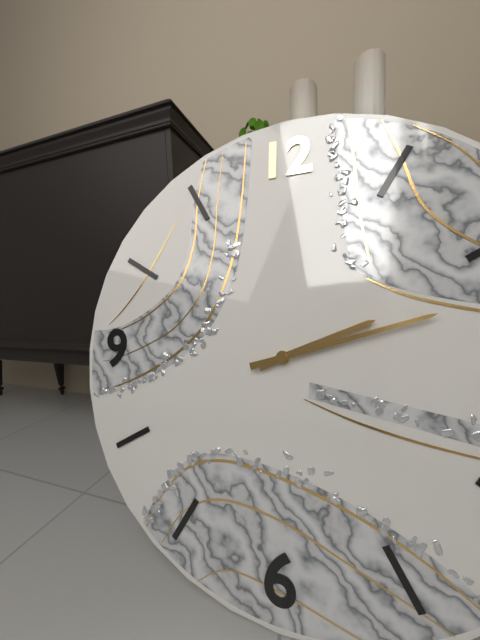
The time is 2,12
